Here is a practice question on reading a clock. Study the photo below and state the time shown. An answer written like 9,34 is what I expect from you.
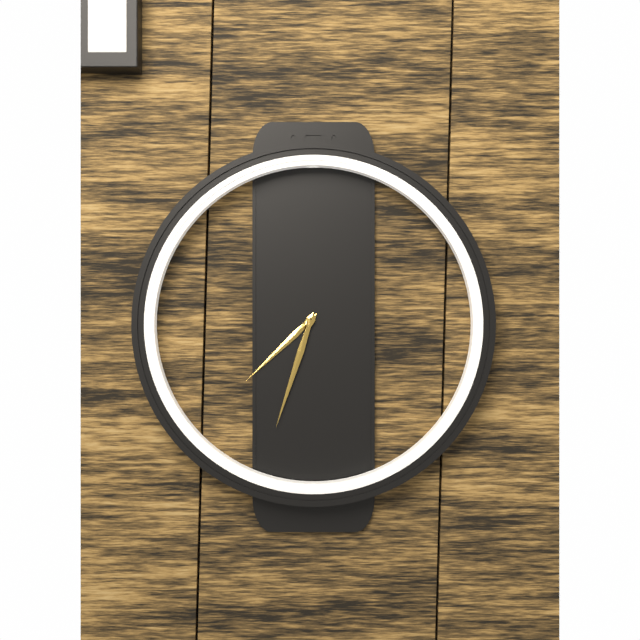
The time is 7,33
